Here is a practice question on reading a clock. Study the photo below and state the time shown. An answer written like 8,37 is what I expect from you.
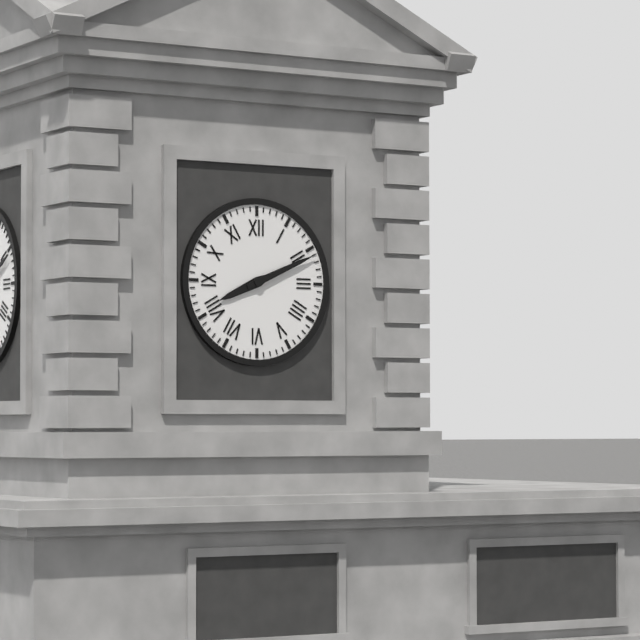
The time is 8,11
